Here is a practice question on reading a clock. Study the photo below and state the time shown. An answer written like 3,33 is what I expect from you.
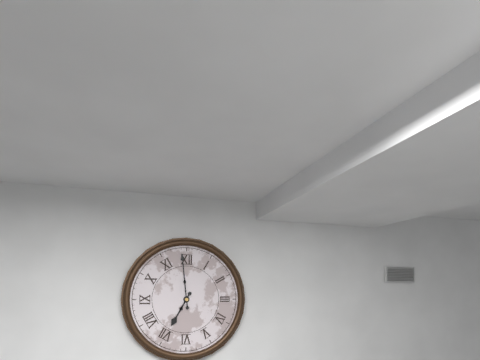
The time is 6,59
